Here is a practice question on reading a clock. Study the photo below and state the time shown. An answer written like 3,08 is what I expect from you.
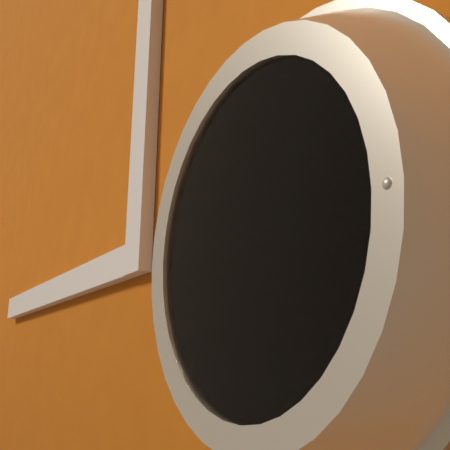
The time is 7,44
